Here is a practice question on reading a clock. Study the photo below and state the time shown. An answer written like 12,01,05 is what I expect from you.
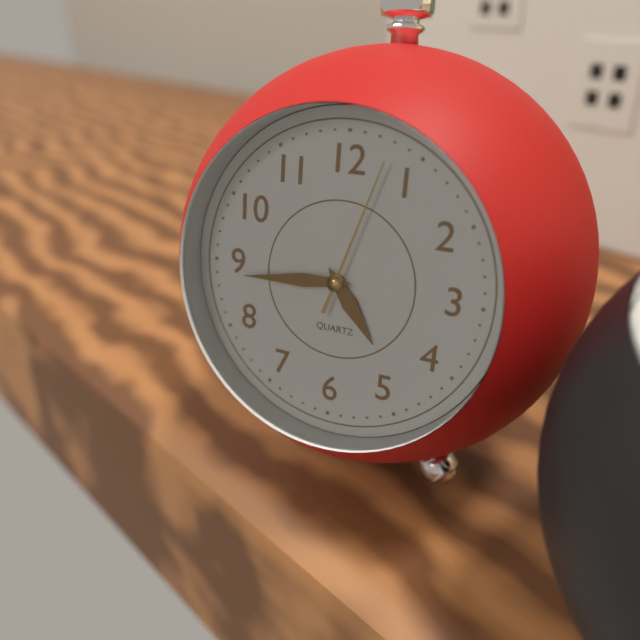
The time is 4,44,03
